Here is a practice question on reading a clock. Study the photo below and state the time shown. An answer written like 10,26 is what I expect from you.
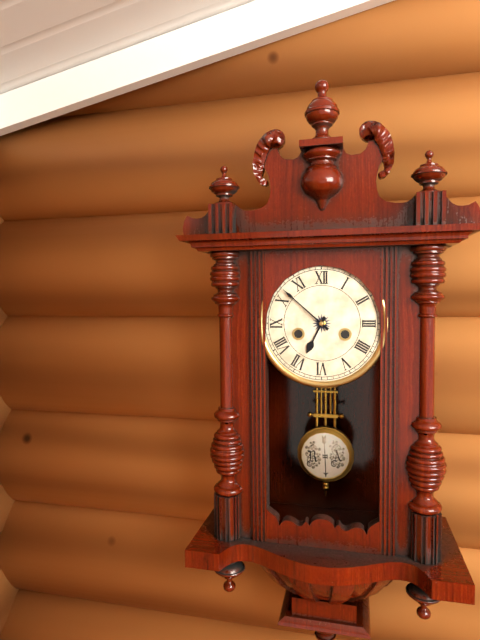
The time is 6,52
